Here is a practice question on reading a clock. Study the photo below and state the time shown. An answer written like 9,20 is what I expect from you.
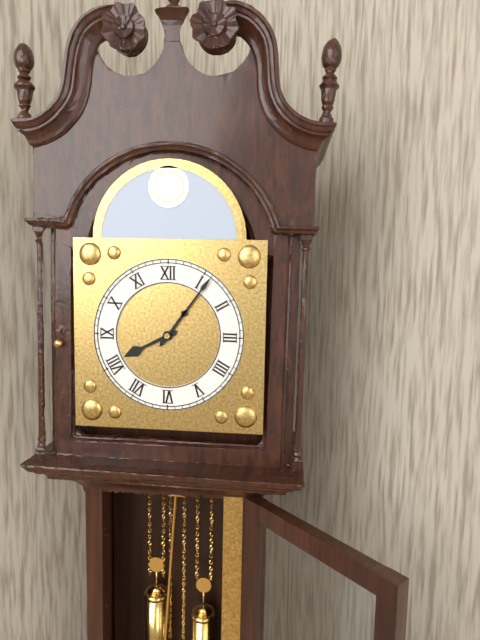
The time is 8,06
